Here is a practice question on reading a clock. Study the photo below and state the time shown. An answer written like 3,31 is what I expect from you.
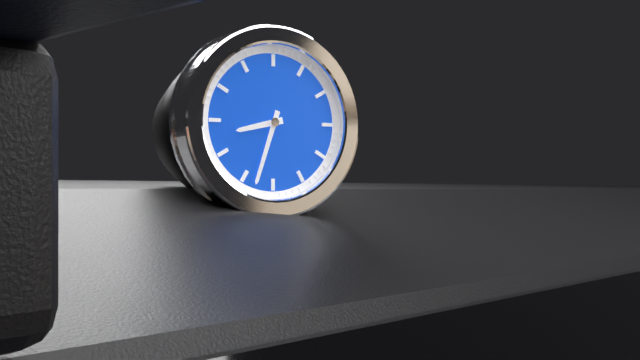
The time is 8,33
